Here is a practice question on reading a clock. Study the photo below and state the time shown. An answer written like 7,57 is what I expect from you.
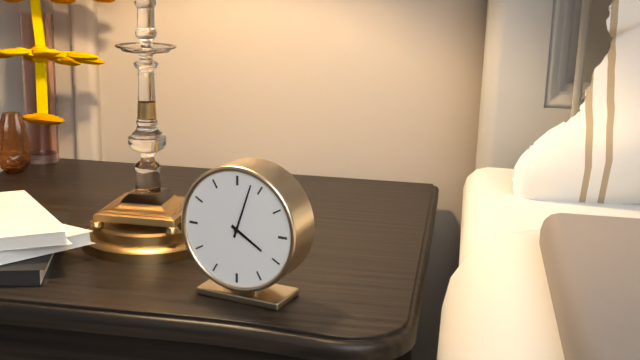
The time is 4,03
